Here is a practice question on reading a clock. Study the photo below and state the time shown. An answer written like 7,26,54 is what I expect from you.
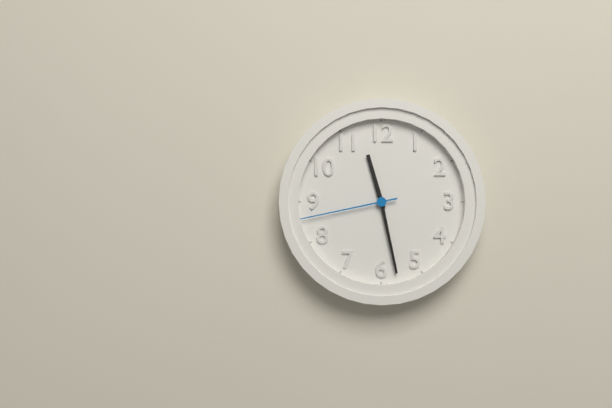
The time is 11,28,43
